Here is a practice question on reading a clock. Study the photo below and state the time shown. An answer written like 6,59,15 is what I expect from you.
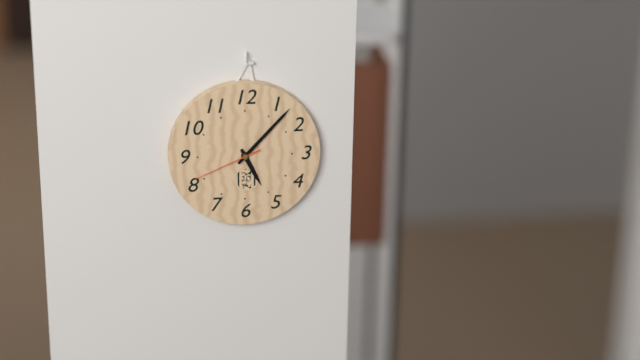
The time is 5,07,41
